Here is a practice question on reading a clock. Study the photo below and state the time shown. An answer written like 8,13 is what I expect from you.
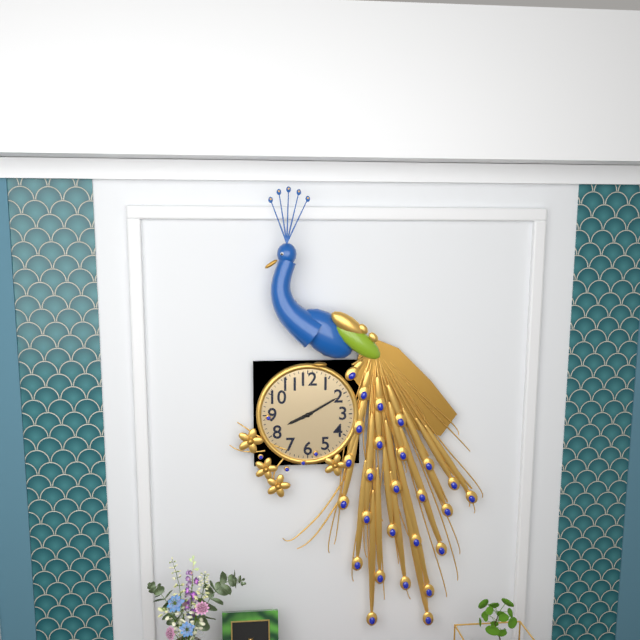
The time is 8,10
